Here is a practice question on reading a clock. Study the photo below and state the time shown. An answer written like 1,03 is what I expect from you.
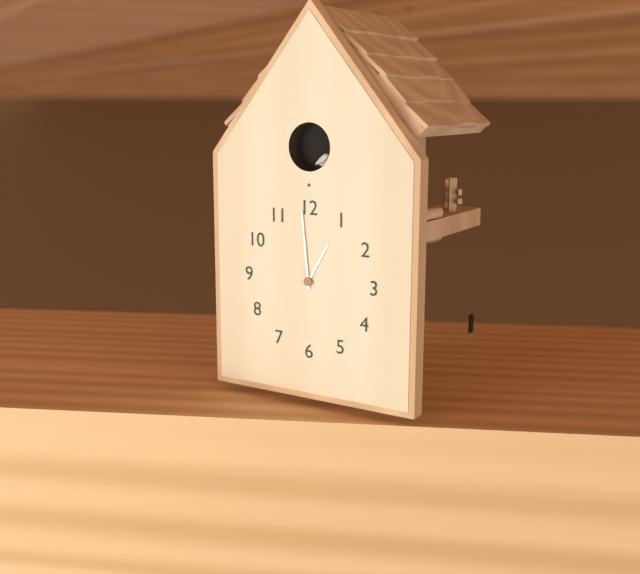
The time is 12,59
